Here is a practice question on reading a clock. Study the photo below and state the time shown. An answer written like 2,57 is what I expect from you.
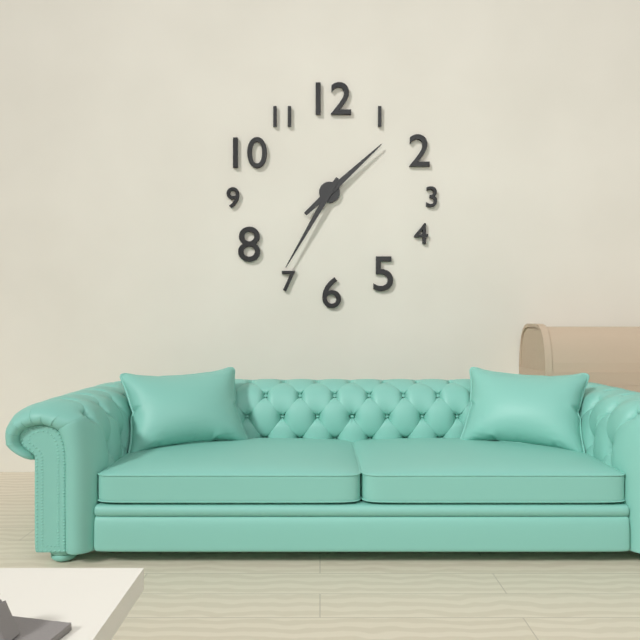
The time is 1,35
